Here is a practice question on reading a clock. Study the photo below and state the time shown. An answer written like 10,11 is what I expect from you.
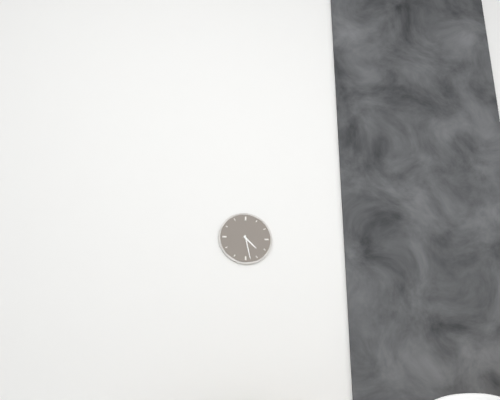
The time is 4,28
